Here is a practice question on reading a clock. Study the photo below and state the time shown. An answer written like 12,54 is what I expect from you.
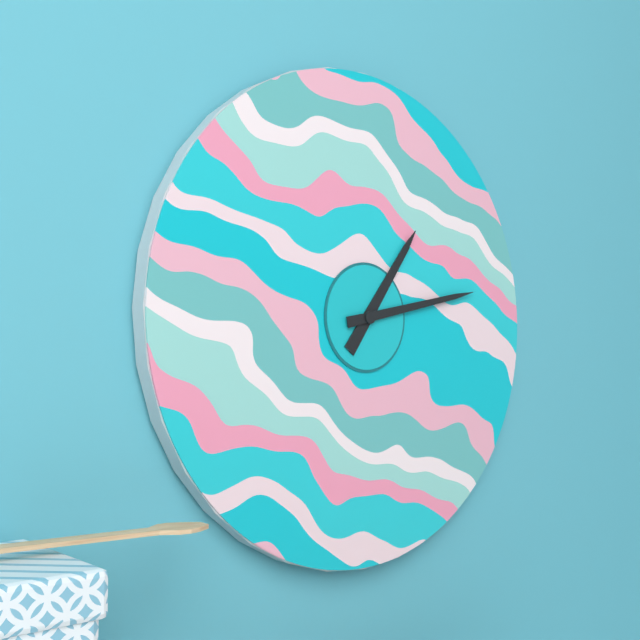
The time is 1,13
